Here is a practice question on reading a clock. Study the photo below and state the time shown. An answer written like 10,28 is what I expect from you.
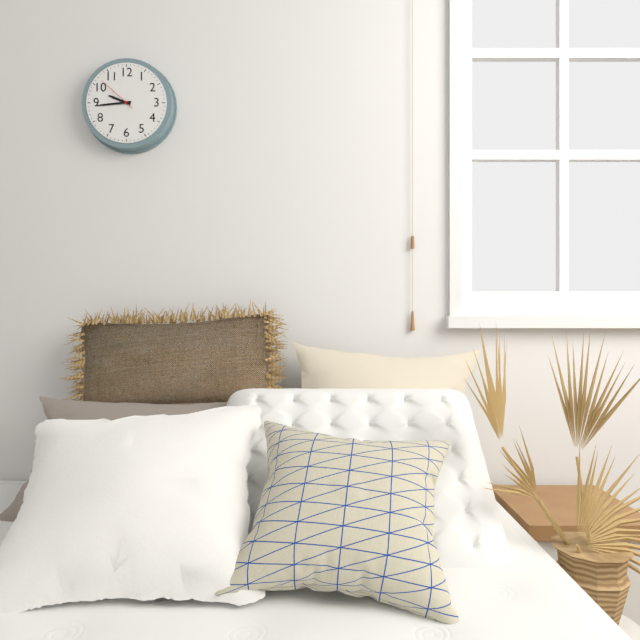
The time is 9,44
